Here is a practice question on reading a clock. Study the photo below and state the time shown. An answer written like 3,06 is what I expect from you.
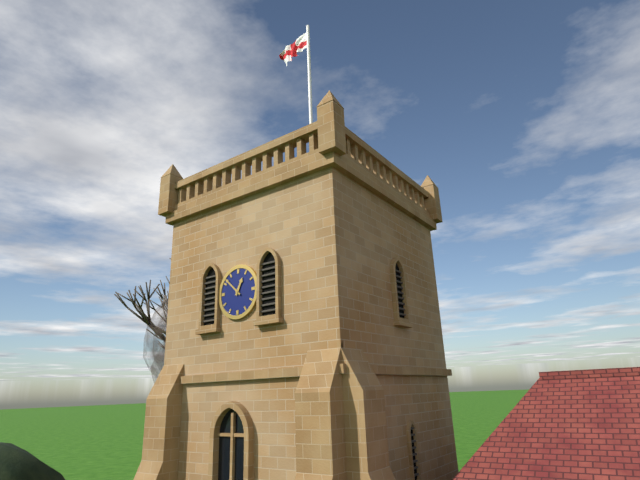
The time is 12,52
